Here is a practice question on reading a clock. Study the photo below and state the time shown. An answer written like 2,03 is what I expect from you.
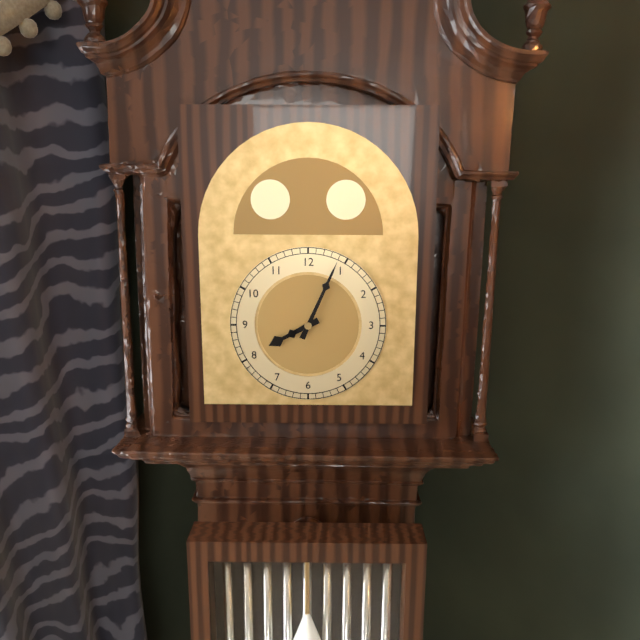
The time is 8,04
